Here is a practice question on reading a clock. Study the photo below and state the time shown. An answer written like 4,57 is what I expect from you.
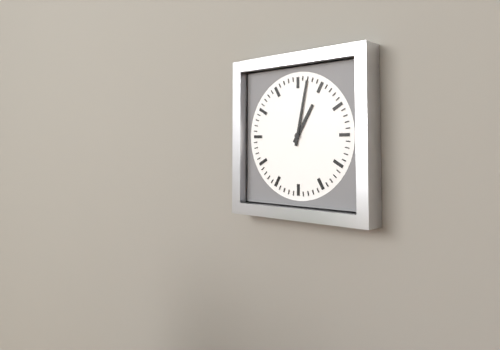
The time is 1,02
